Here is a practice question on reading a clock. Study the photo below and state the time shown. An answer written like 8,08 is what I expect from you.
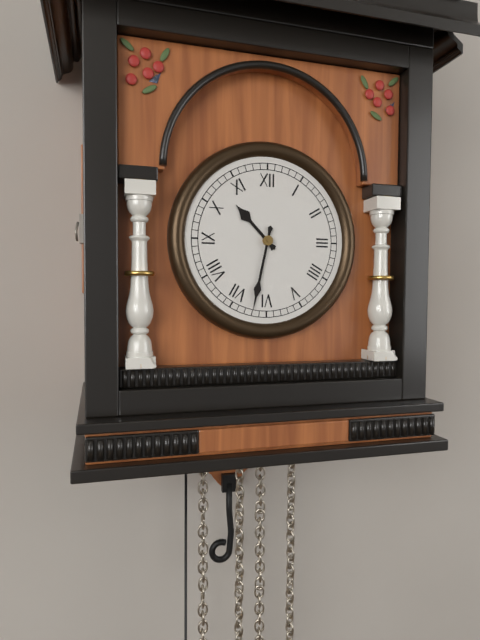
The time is 10,32
